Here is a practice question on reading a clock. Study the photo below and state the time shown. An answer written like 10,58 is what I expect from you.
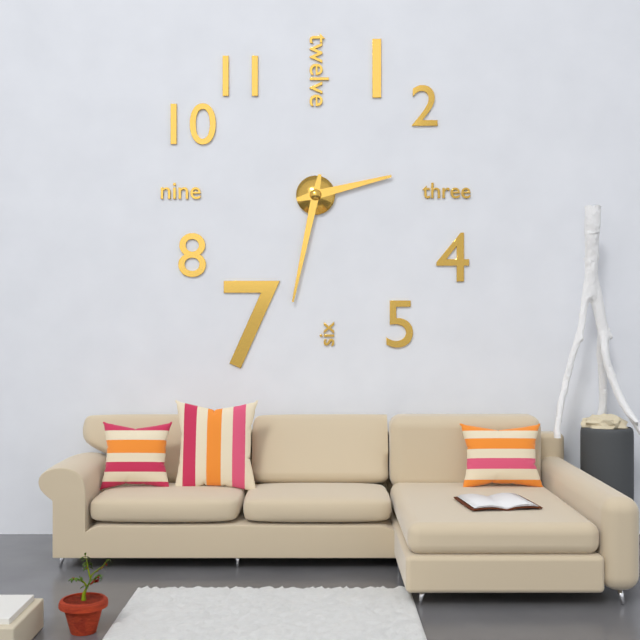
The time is 2,32
